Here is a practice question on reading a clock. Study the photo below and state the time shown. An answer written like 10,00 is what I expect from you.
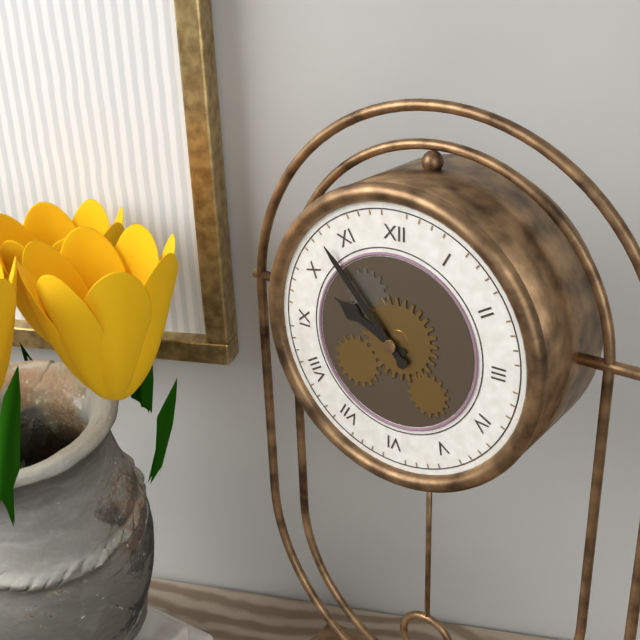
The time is 9,53
